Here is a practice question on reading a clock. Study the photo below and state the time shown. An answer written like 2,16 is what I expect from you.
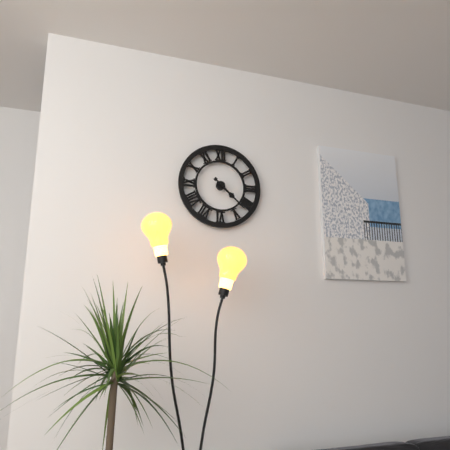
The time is 4,22
